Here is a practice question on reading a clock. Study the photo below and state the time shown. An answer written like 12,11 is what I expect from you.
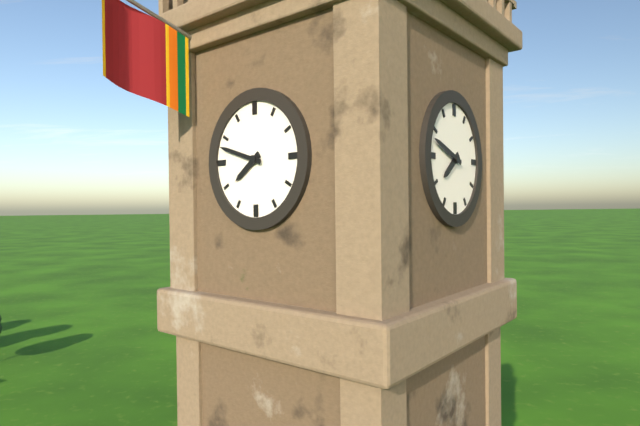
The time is 7,48
